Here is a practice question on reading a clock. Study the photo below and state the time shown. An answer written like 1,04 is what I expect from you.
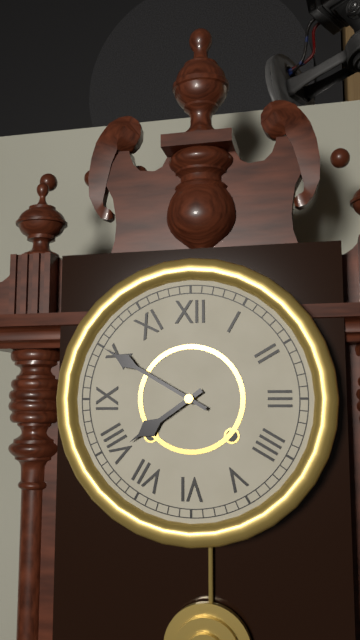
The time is 7,50
